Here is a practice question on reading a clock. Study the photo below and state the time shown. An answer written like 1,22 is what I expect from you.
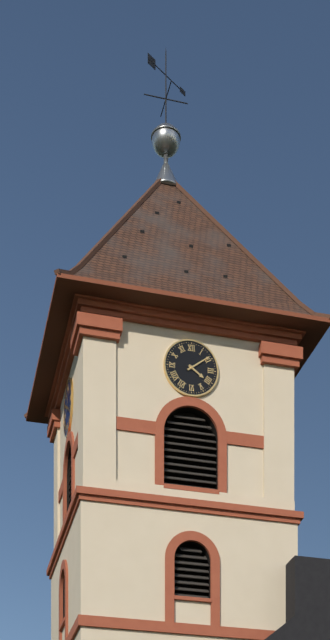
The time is 4,09
